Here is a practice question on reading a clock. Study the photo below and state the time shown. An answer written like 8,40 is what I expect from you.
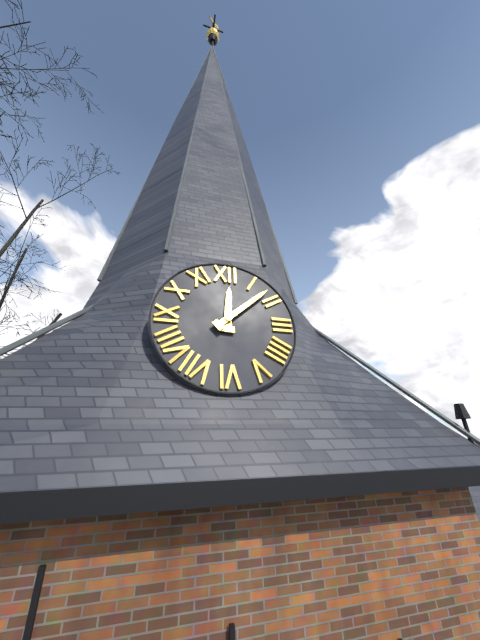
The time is 12,08
